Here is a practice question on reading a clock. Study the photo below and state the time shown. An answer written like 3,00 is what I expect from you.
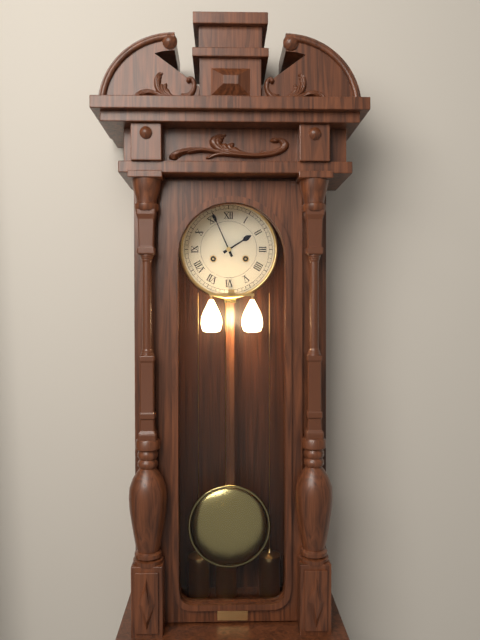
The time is 1,56
